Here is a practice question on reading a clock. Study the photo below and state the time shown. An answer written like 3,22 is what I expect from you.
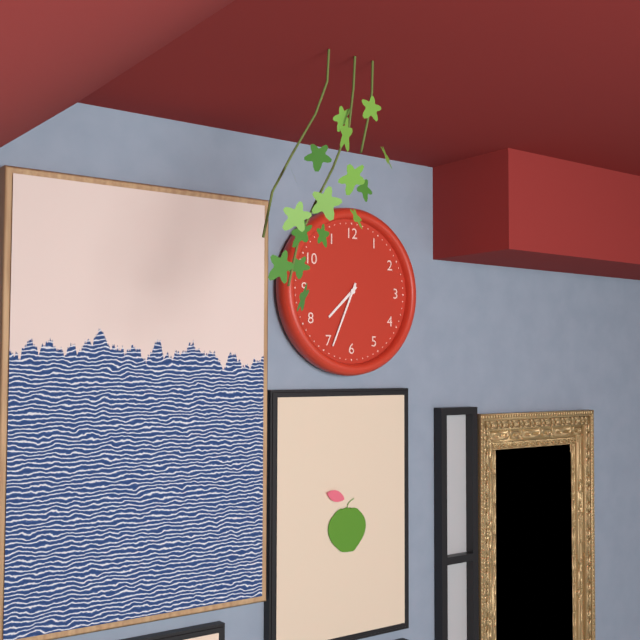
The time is 7,34
